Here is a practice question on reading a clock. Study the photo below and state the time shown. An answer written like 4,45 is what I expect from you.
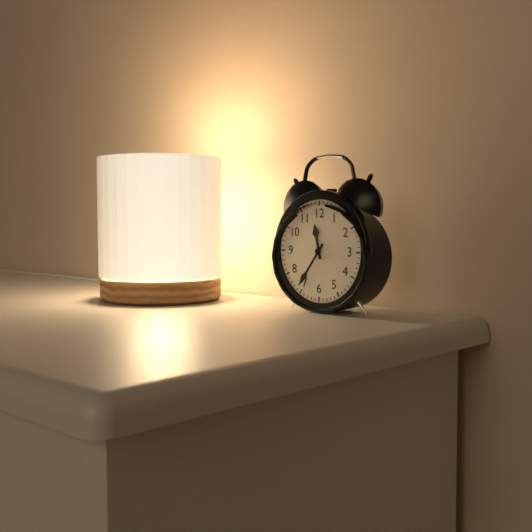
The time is 11,36
